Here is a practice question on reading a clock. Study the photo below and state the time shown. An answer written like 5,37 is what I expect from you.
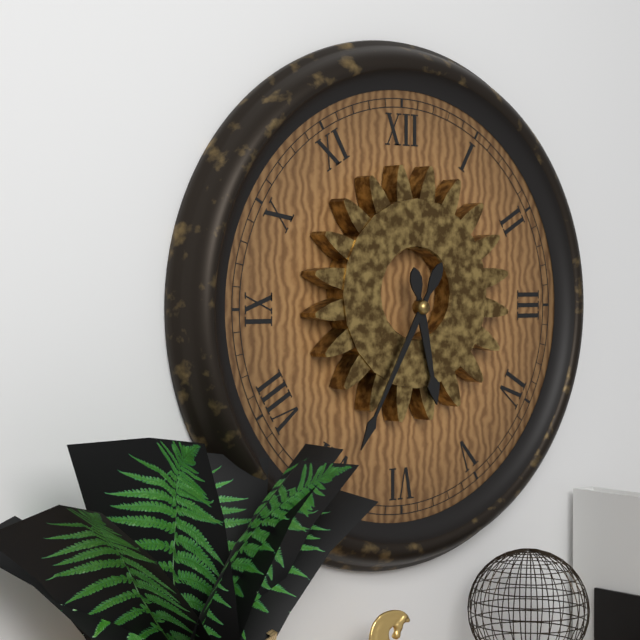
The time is 5,35
